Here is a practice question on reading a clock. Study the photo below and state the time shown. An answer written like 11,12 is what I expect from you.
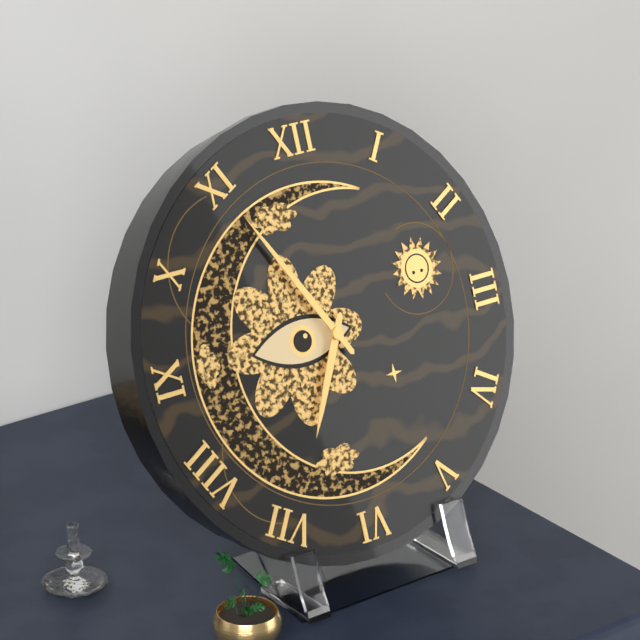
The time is 6,55
